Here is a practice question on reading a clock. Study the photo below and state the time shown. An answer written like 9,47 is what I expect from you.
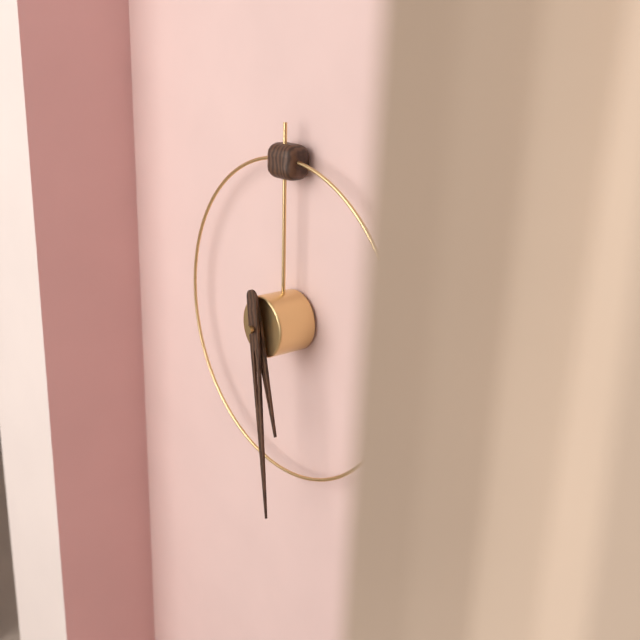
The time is 5,29
